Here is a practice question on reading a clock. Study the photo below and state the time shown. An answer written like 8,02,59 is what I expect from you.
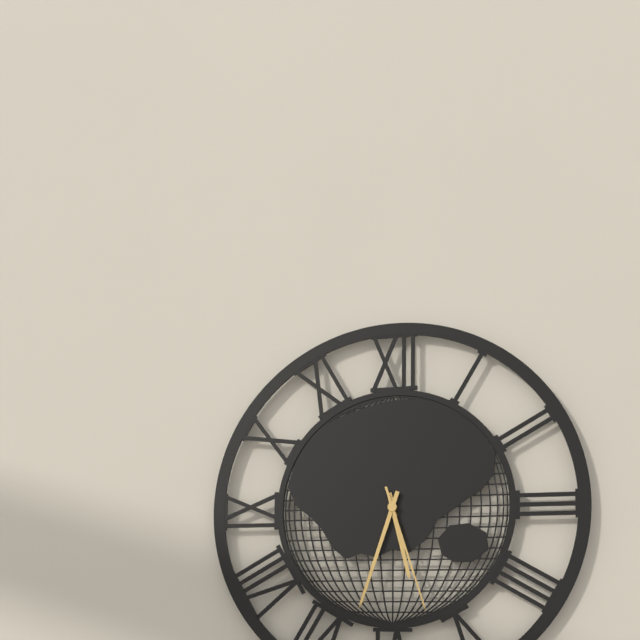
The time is 5,33,27
